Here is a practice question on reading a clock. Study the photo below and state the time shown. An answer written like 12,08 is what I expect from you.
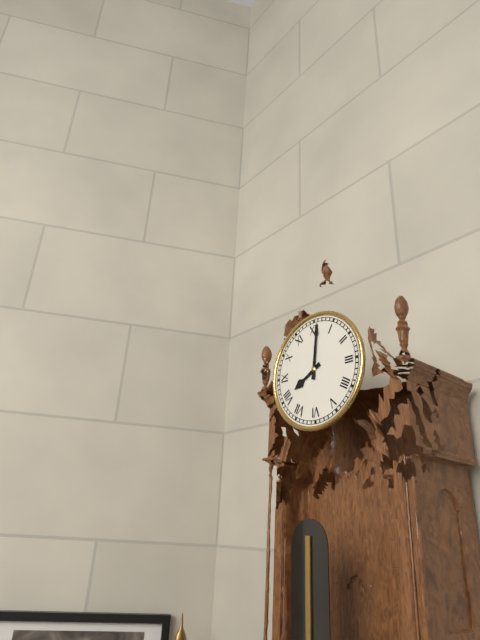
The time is 8,01
